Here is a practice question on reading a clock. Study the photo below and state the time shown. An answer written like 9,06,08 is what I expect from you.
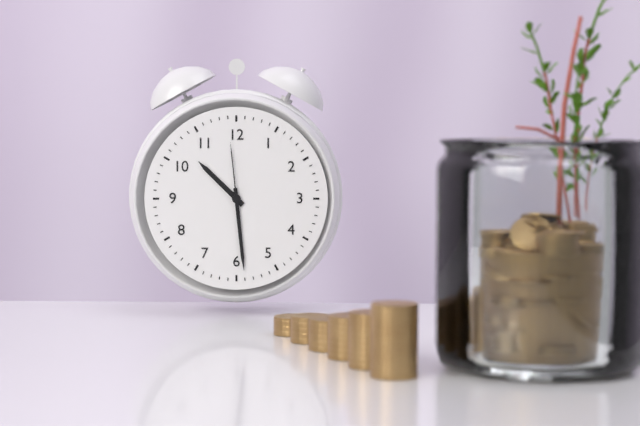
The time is 10,29,59
